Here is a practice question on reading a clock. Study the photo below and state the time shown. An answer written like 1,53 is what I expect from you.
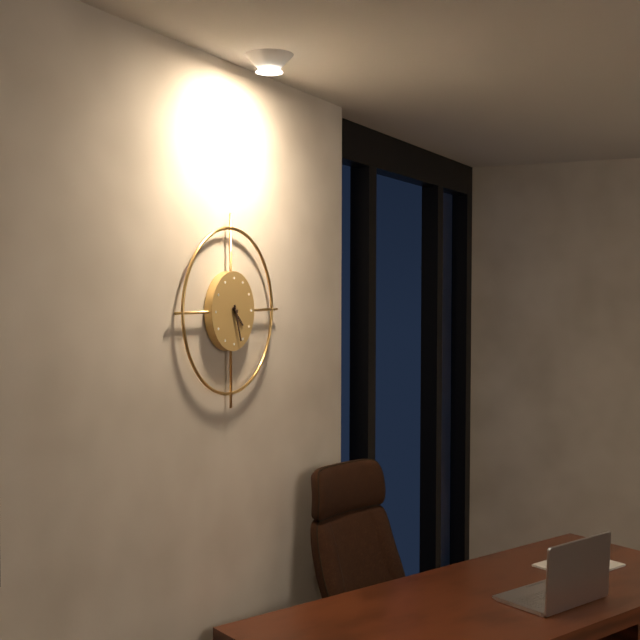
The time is 4,27
